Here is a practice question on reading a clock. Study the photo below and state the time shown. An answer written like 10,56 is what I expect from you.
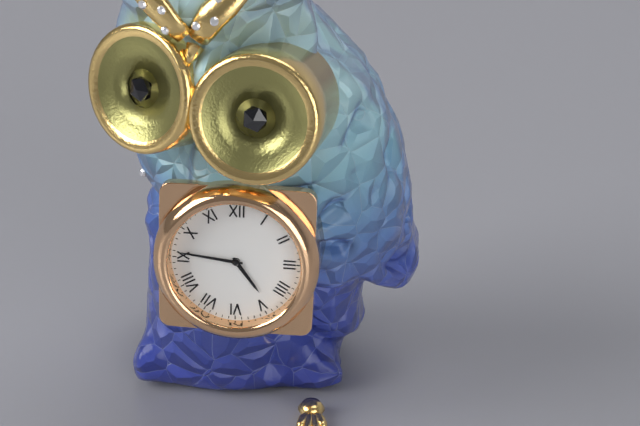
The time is 4,46
